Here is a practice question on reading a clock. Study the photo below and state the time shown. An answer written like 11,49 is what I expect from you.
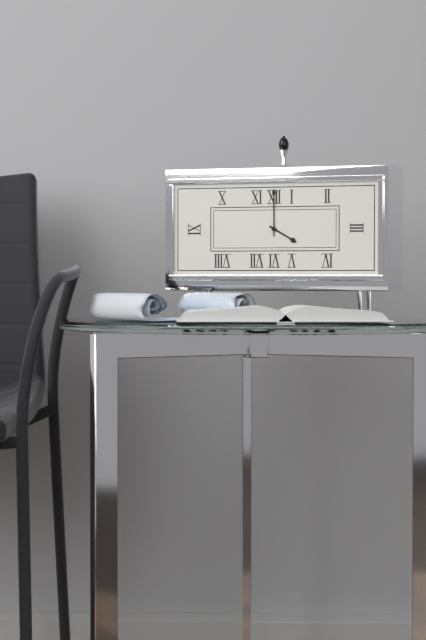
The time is 4,00
